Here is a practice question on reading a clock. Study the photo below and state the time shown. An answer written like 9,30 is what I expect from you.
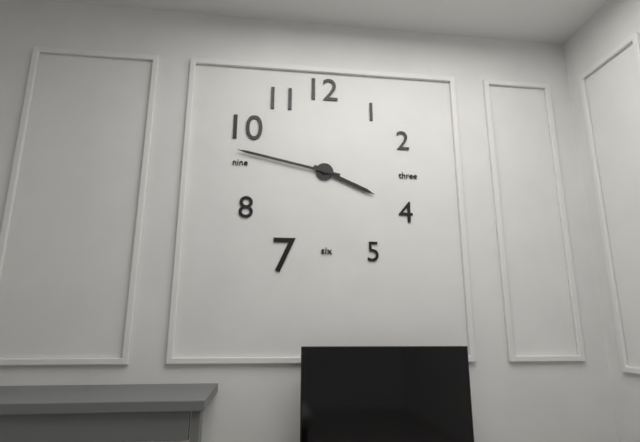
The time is 3,47
